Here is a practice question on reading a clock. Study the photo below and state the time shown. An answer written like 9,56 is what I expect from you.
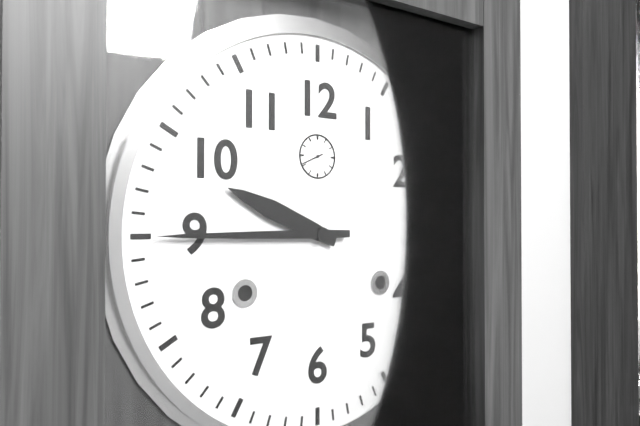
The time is 9,45
